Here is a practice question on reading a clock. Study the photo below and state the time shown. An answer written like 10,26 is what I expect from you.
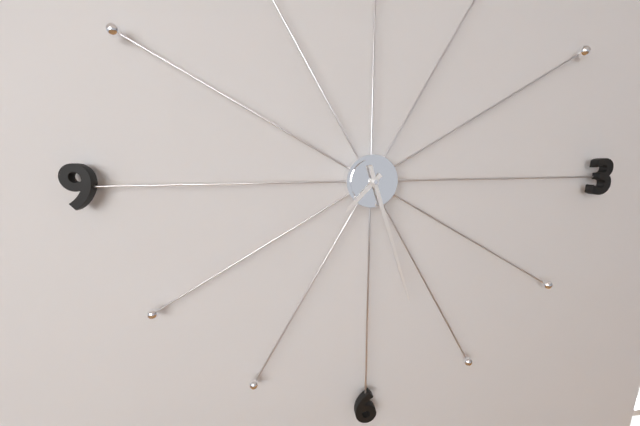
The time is 7,27
